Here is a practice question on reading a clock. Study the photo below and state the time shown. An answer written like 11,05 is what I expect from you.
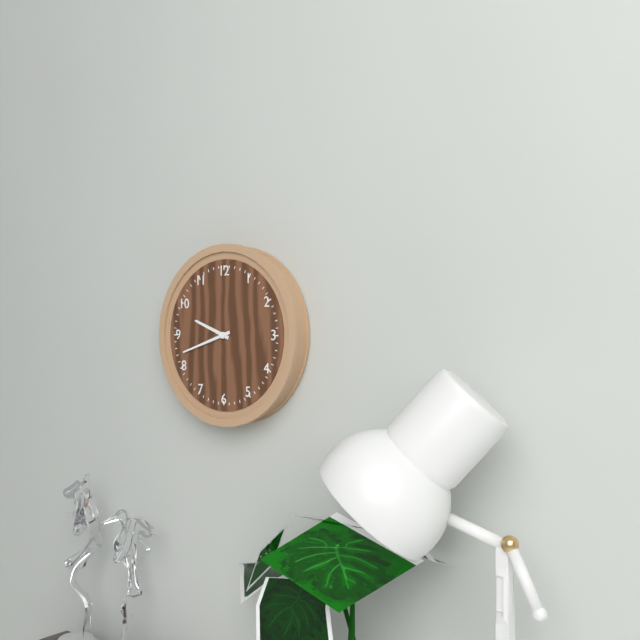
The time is 9,42
